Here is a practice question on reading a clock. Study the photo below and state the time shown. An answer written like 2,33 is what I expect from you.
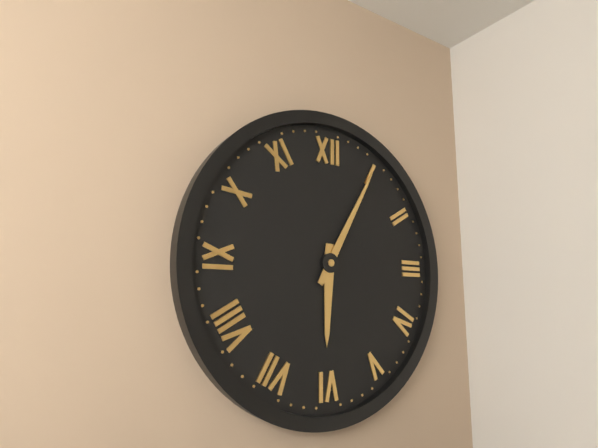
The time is 6,05
